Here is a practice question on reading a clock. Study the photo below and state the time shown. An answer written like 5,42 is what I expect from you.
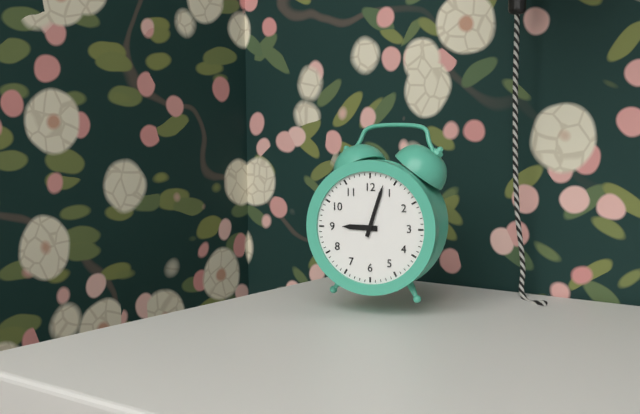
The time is 9,03
